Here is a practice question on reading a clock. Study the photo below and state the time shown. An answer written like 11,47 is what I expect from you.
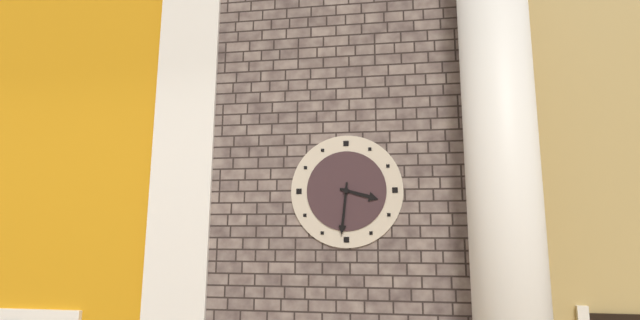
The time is 3,31
